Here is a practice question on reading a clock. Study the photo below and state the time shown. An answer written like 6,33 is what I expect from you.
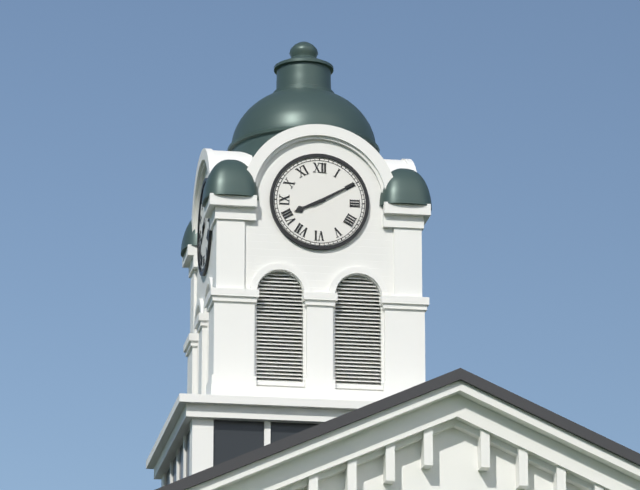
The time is 8,10
